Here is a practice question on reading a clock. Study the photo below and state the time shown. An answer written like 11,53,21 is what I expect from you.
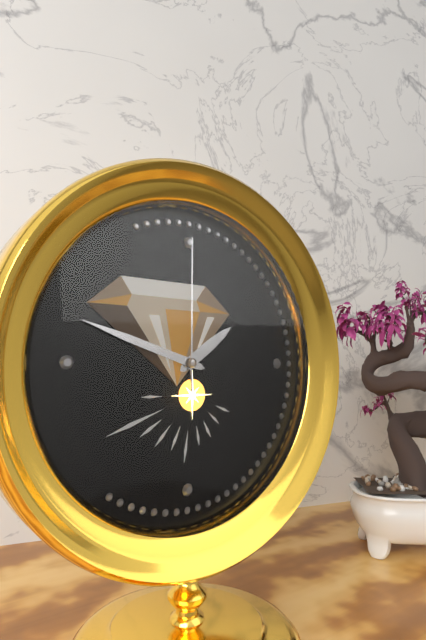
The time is 1,48,00
